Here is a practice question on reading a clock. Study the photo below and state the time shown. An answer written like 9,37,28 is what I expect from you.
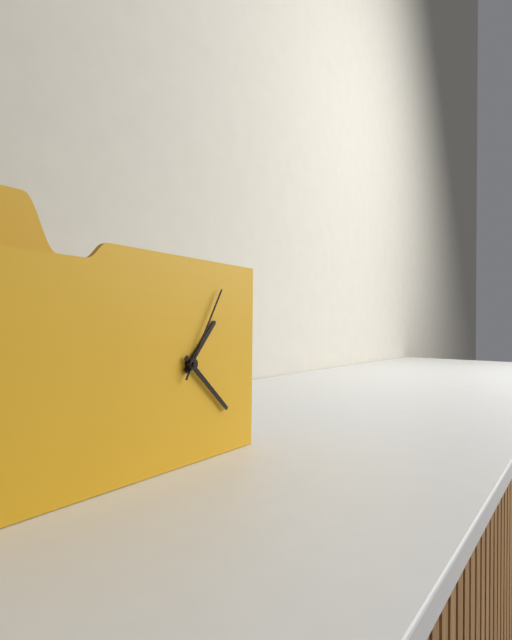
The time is 1,22,05
